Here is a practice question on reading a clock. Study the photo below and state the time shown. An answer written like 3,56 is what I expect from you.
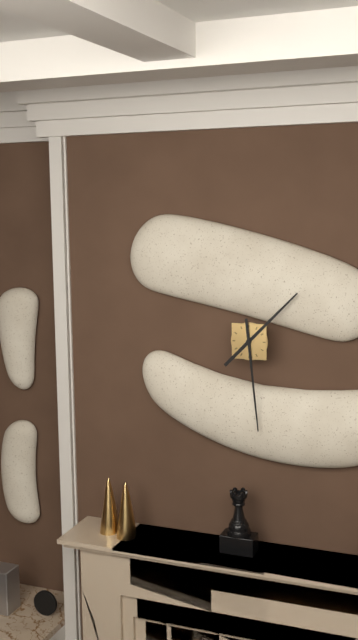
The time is 1,29
